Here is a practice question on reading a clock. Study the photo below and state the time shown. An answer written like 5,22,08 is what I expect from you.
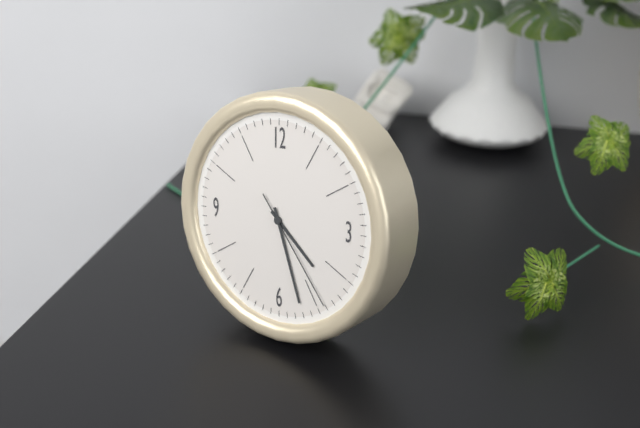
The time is 4,27,24
